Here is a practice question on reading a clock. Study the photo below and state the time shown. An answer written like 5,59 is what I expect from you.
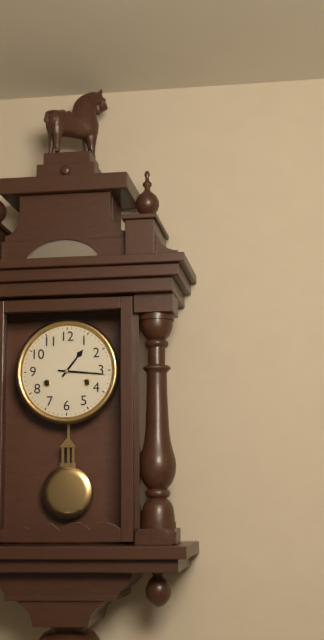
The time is 1,16
